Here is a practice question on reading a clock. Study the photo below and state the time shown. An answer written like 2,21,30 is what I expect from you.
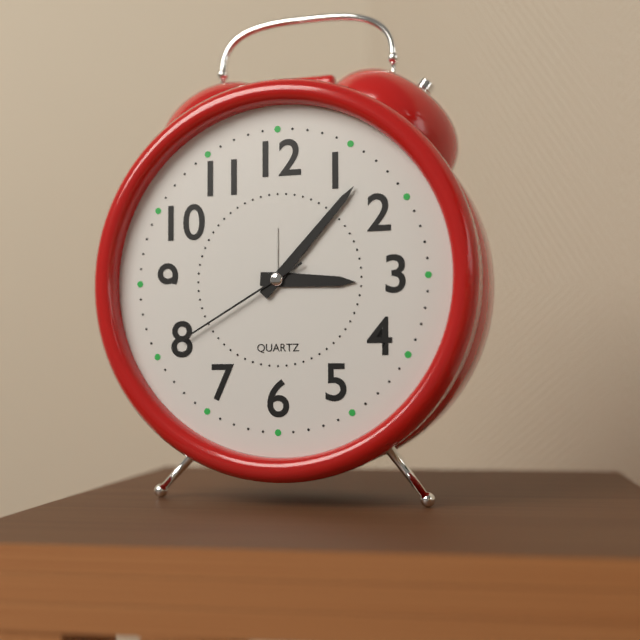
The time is 3,07,40
